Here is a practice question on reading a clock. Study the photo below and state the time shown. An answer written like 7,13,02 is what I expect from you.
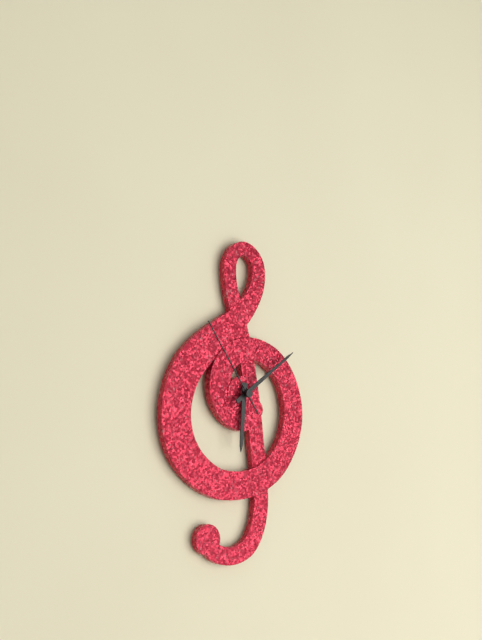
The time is 6,09,54
